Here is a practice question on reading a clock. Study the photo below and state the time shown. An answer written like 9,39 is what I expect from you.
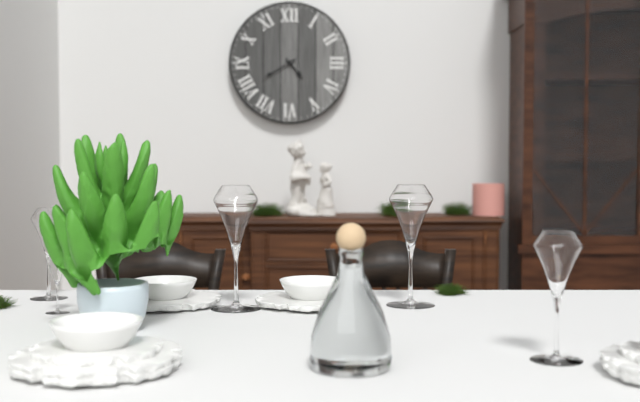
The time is 4,40
